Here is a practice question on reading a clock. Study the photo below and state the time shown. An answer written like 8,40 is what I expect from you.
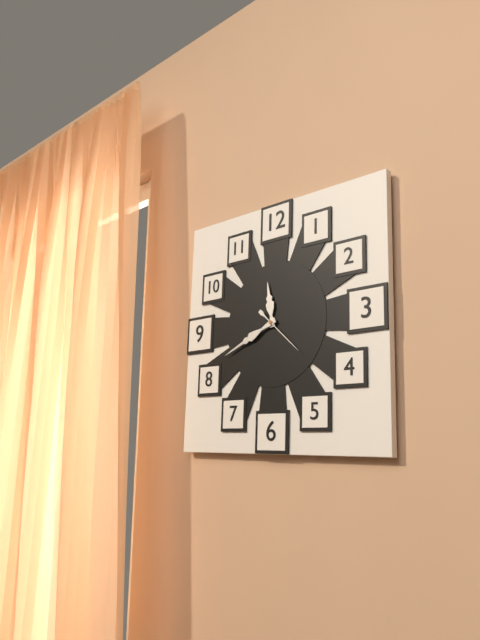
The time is 11,41
